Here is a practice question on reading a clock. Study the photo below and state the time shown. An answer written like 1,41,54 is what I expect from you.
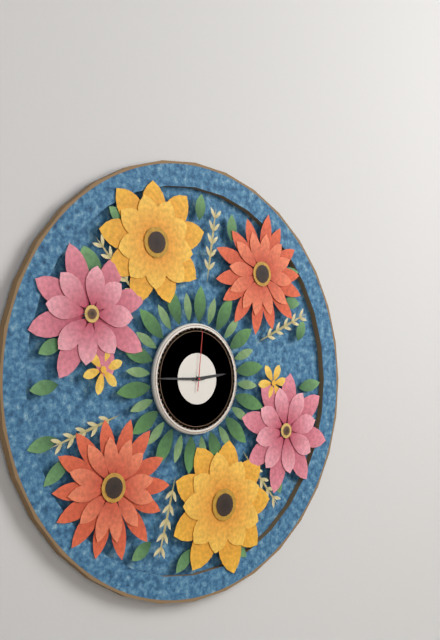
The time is 2,45,01
